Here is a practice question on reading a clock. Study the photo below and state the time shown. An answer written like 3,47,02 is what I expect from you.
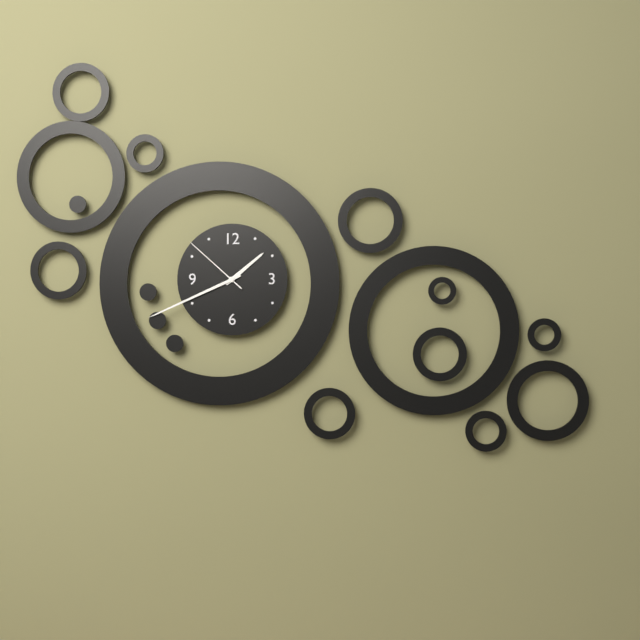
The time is 1,41,52
